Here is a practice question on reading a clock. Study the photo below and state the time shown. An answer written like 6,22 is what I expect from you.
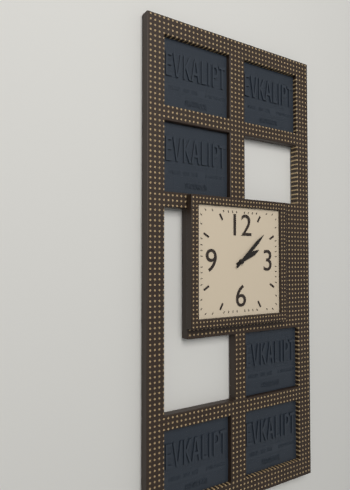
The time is 2,08
